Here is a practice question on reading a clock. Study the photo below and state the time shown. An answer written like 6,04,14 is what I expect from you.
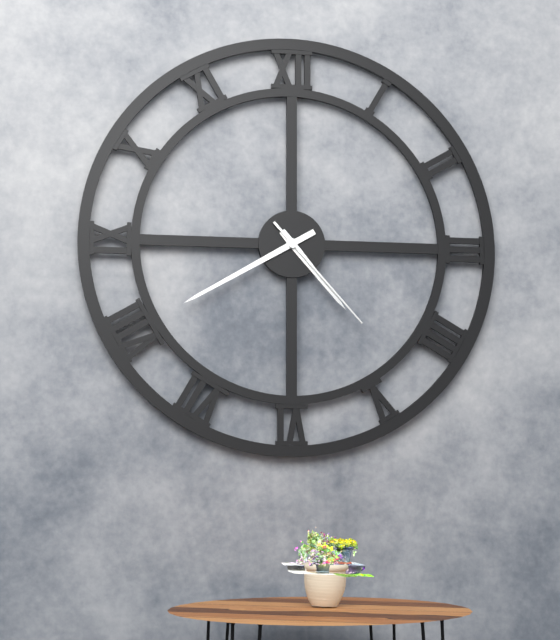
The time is 4,40,23
